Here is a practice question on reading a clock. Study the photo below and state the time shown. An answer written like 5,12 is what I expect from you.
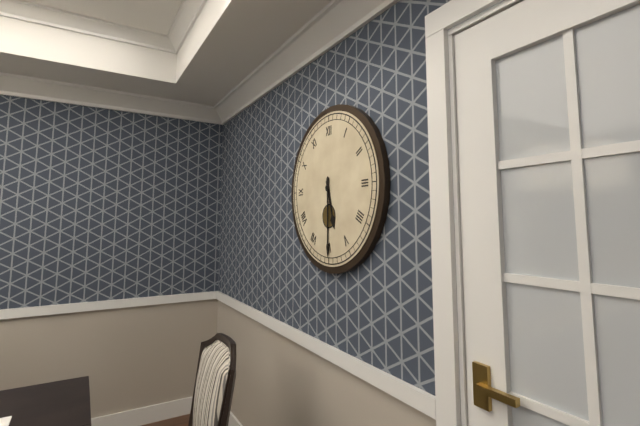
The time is 5,30
